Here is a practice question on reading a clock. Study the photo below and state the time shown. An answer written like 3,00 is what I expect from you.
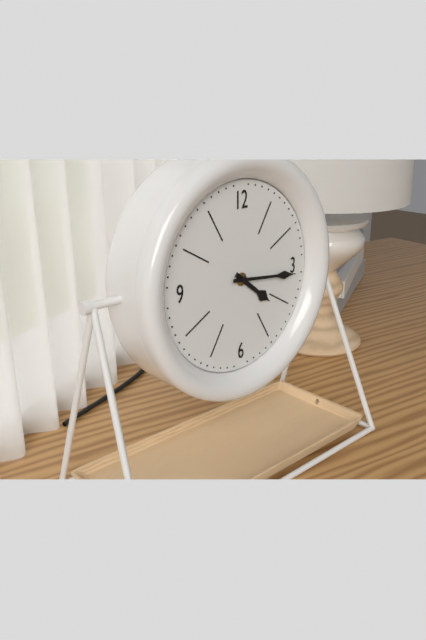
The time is 4,16
